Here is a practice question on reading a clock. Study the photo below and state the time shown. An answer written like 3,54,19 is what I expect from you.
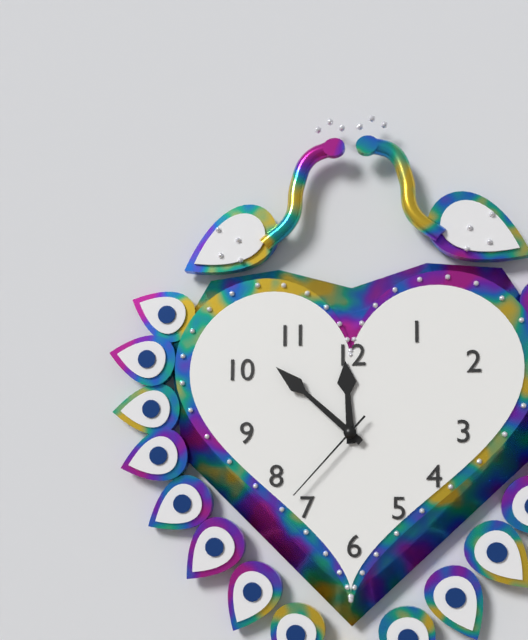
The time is 11,52,37
